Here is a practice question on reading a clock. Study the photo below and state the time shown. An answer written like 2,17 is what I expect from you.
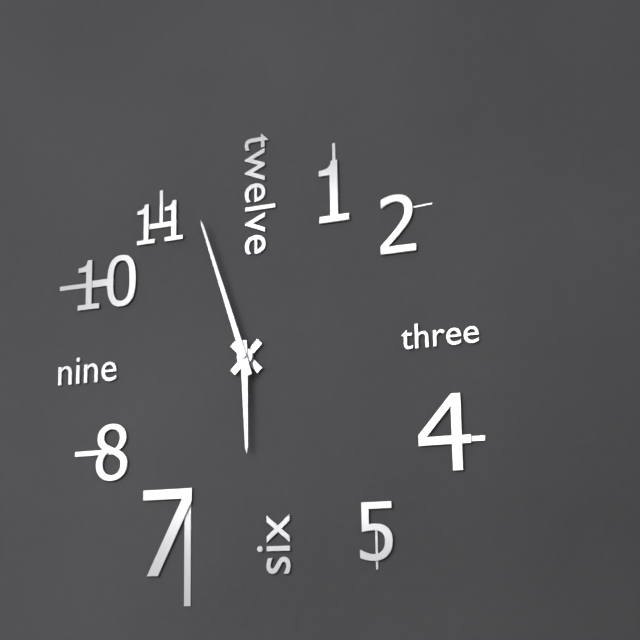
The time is 5,57
